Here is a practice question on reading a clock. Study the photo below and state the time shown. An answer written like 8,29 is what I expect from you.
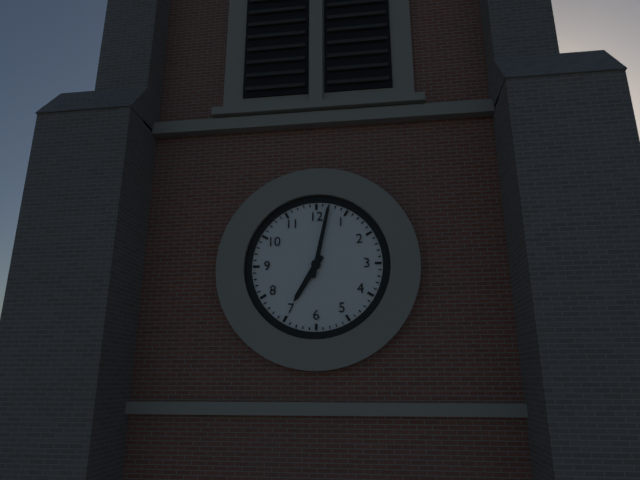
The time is 7,02
